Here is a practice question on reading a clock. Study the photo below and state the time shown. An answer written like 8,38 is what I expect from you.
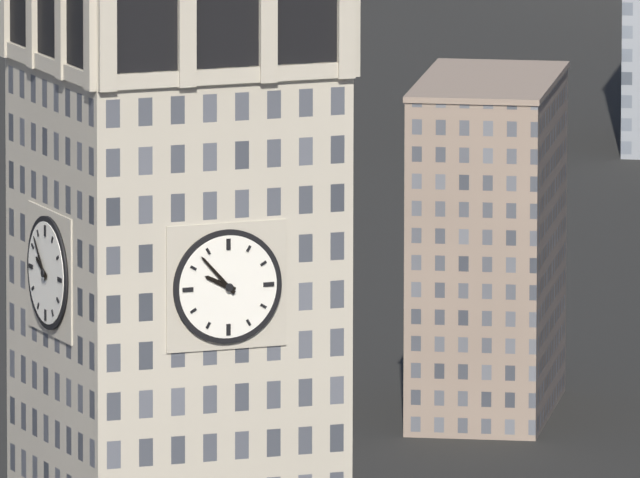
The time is 9,53
